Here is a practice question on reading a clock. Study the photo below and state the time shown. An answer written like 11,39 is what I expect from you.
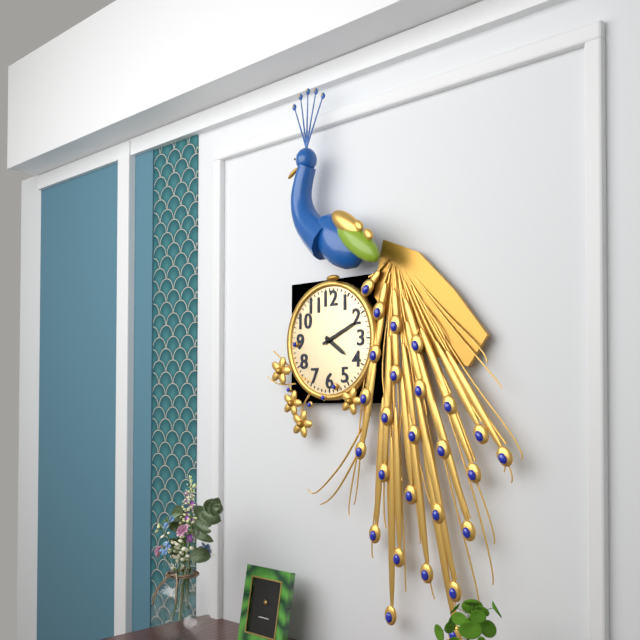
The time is 4,11
